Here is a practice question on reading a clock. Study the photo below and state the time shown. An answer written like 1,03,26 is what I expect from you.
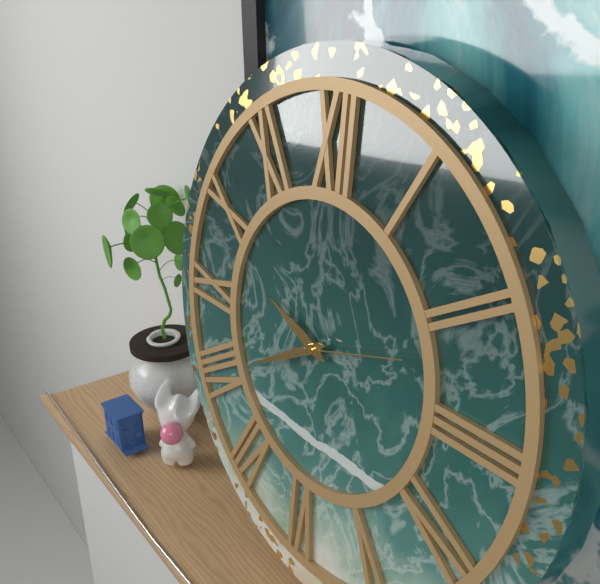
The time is 9,40,12
